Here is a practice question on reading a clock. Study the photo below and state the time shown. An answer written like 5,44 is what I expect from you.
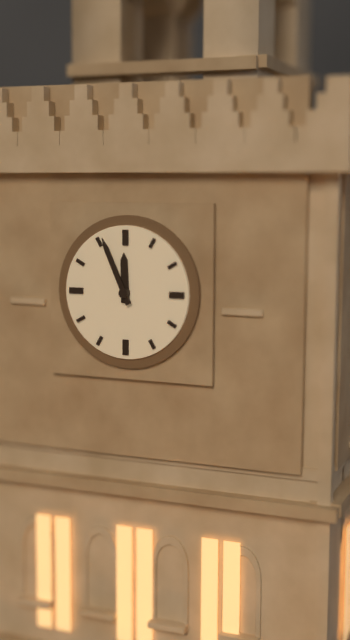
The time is 11,56
